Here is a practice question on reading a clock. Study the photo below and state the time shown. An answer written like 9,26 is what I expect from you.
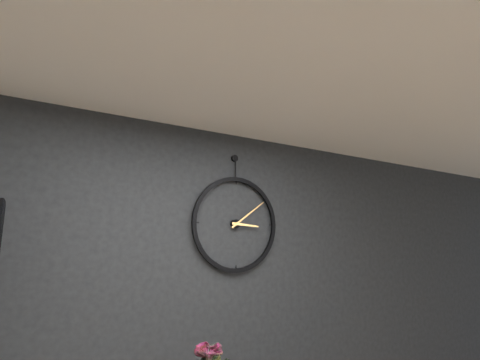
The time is 3,09
